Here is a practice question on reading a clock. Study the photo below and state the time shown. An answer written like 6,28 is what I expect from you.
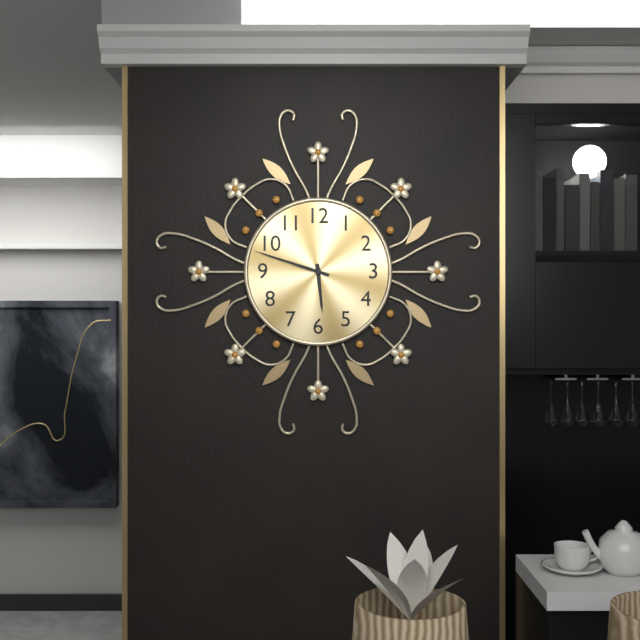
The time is 5,48
